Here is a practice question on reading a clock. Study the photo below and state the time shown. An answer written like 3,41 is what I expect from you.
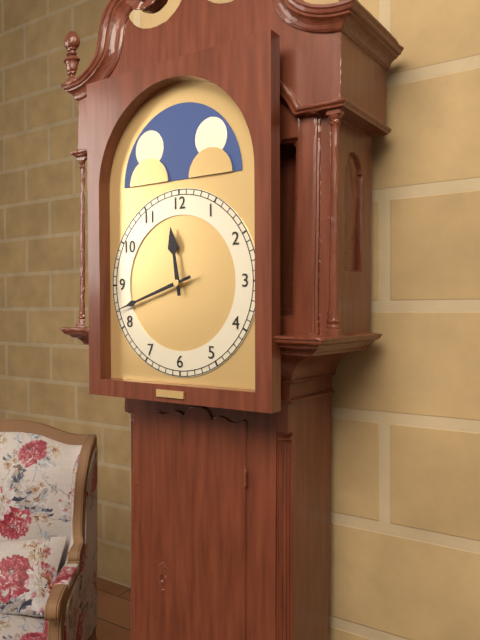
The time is 11,42
